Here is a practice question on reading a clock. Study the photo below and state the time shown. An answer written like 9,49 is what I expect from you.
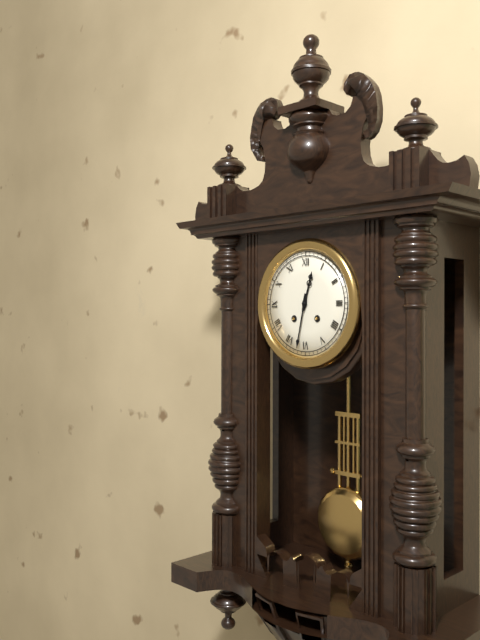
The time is 12,32
